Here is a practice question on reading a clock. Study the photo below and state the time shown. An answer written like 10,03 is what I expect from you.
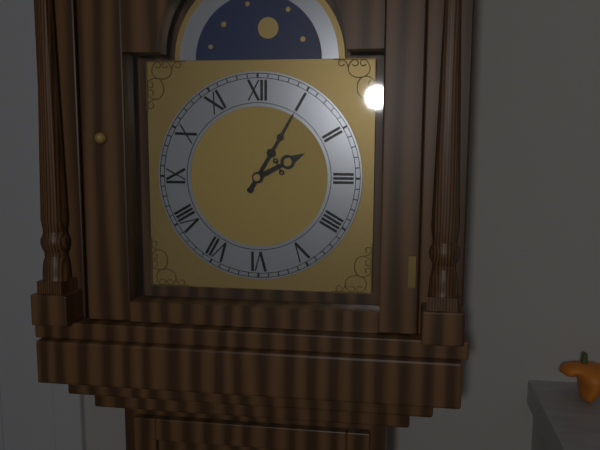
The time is 2,05
